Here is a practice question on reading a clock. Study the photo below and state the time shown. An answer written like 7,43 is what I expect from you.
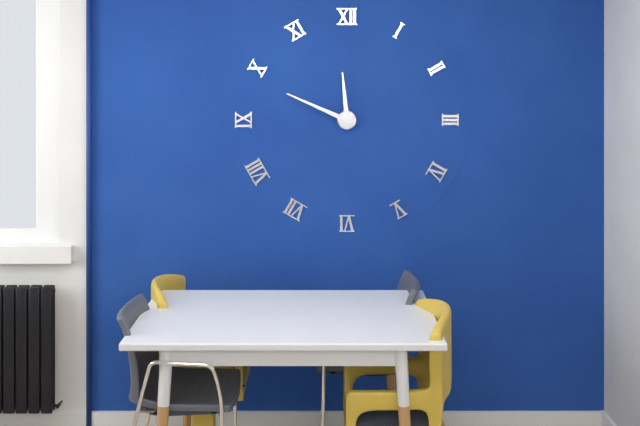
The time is 11,49
